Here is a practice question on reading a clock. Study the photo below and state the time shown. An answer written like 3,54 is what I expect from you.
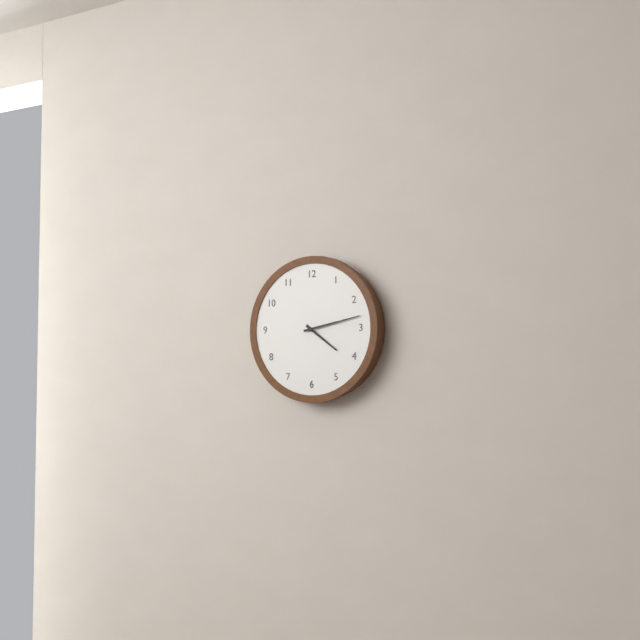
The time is 4,13
